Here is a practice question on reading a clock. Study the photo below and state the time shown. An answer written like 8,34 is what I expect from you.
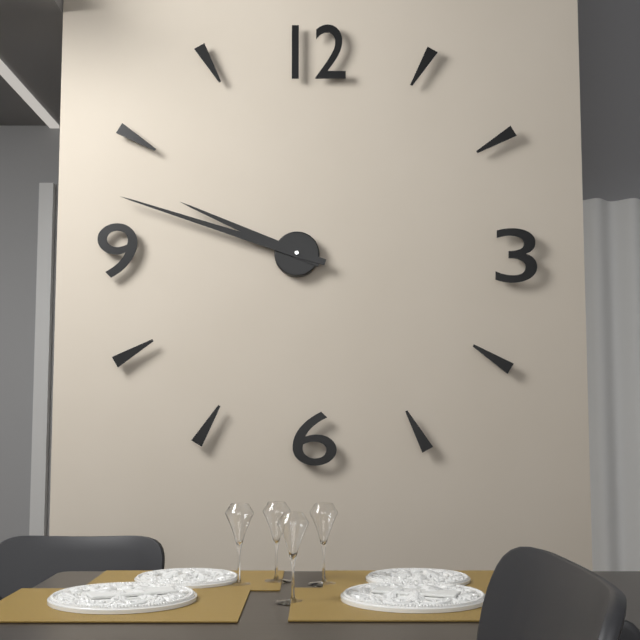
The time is 9,48
